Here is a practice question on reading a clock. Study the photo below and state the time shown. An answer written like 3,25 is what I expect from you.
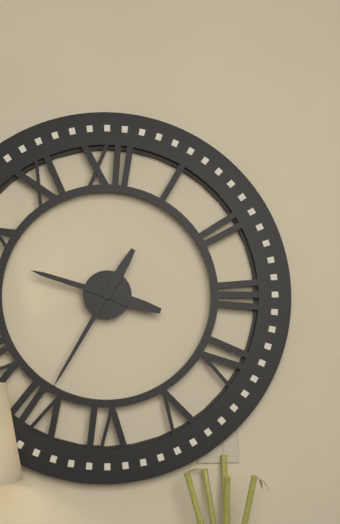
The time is 9,35
